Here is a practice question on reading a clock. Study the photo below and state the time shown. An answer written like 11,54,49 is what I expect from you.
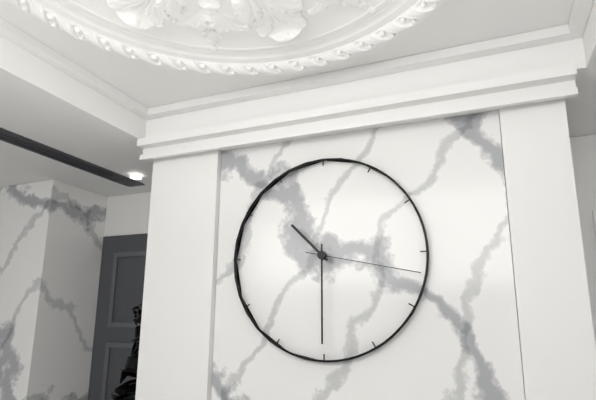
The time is 10,30,17
